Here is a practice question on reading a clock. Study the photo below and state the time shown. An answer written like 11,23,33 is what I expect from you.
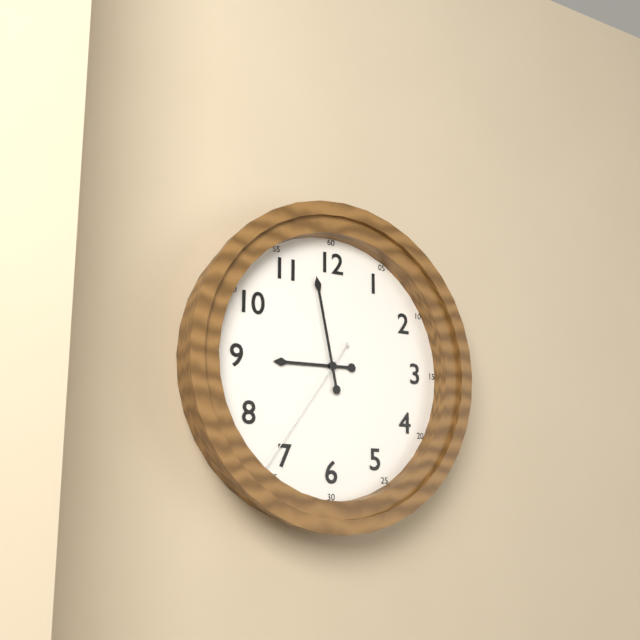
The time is 8,58,36
